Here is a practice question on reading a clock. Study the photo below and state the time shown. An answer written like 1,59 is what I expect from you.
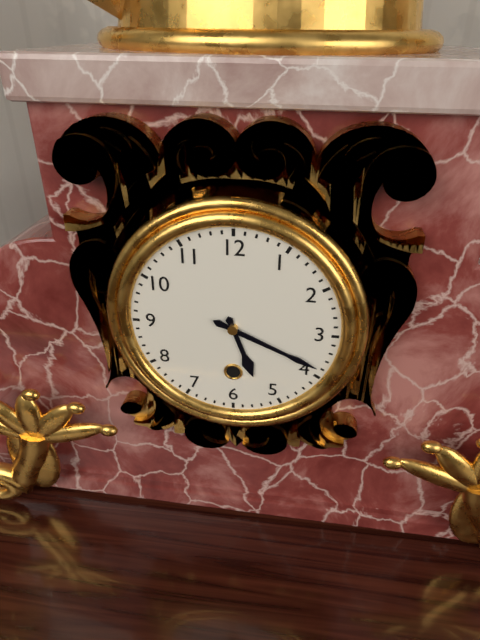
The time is 5,19
